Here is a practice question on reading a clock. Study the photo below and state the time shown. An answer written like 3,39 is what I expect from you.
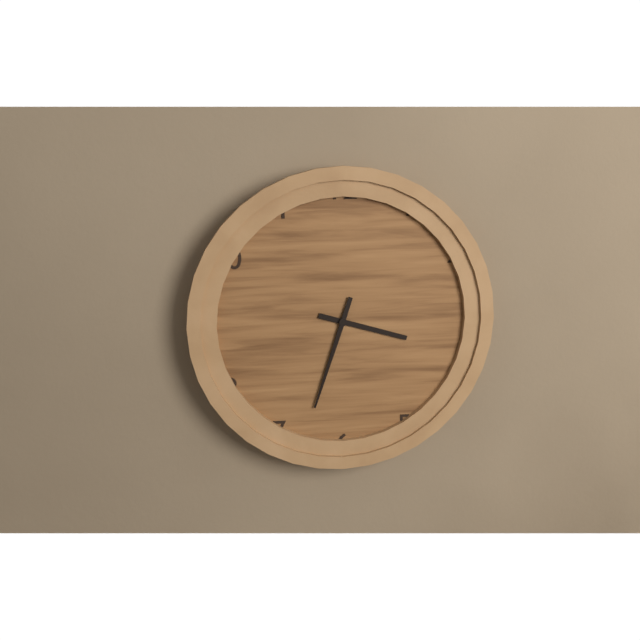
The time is 3,33
